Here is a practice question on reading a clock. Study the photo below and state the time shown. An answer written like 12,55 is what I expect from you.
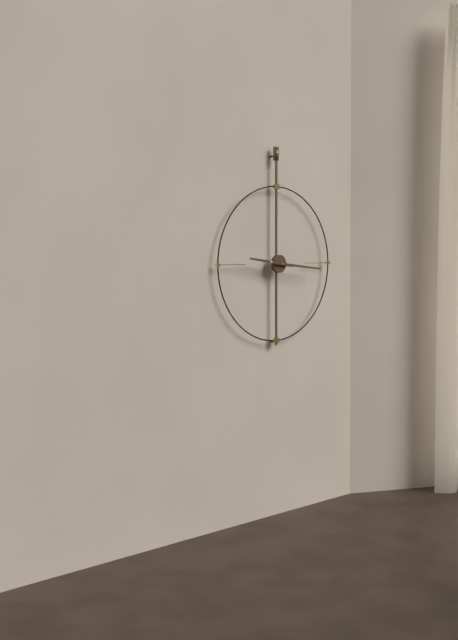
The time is 9,16
